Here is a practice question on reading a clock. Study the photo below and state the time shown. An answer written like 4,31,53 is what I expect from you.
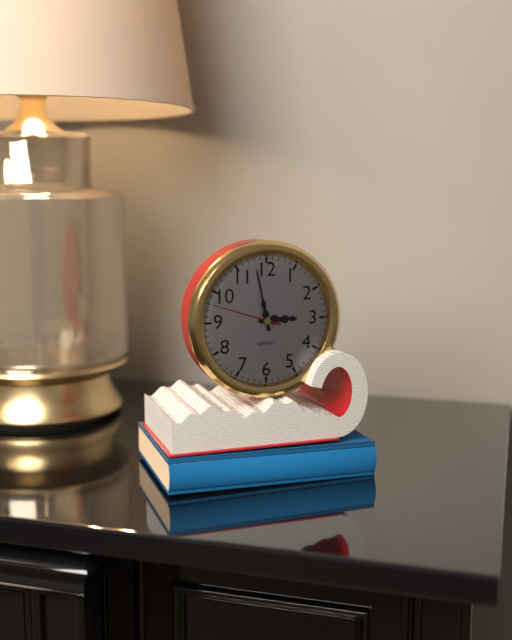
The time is 2,58,48
